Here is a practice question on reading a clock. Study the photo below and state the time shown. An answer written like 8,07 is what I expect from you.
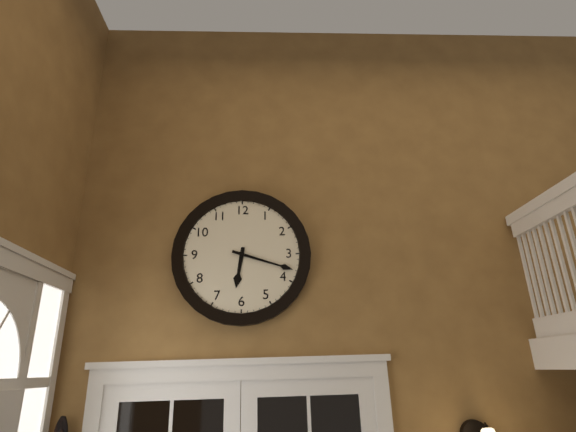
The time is 6,18
